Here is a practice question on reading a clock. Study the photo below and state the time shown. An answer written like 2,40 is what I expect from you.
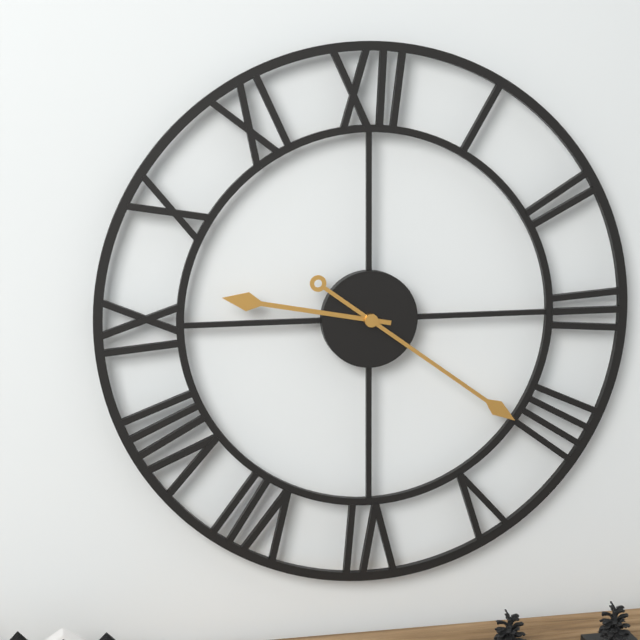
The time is 9,21
